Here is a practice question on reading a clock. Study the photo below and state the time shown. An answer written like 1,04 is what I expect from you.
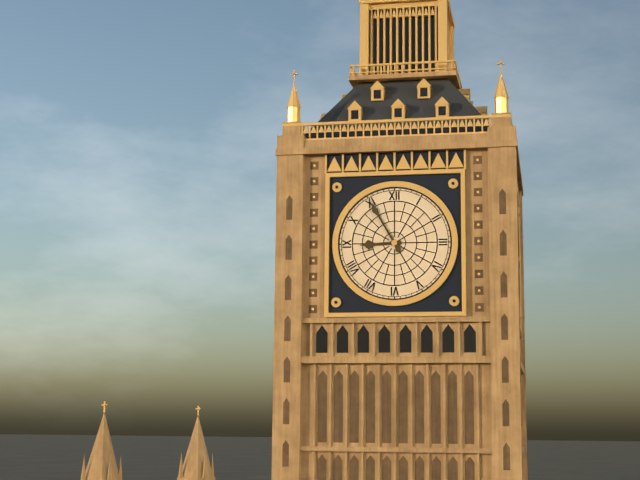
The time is 8,55
